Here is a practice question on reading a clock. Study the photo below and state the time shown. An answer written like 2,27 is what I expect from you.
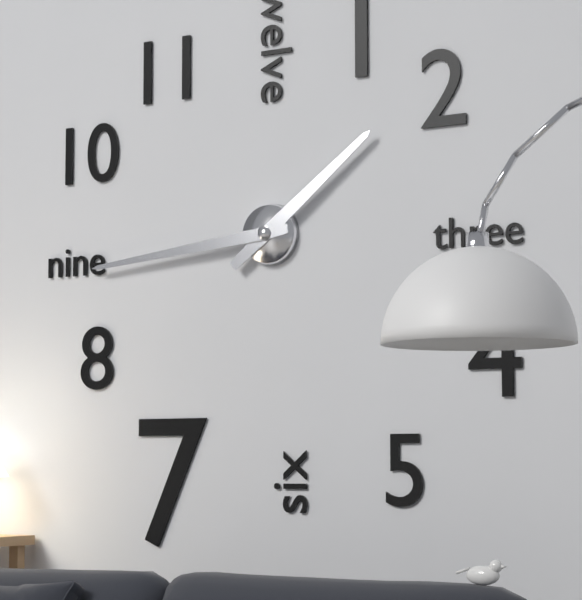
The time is 1,44
